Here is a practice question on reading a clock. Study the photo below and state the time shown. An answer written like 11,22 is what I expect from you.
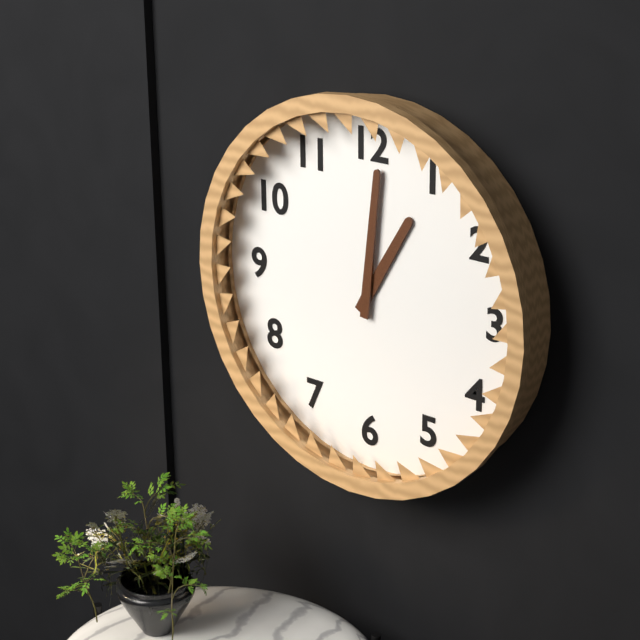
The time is 1,01
